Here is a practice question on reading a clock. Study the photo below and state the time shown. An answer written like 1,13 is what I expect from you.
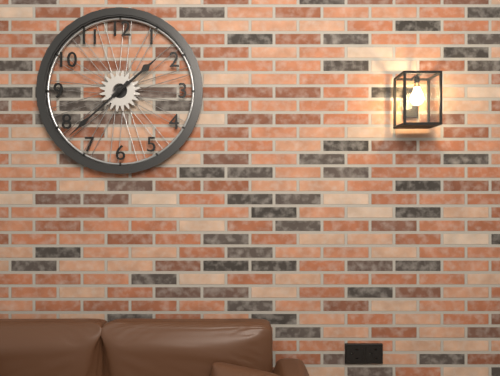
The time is 1,38
